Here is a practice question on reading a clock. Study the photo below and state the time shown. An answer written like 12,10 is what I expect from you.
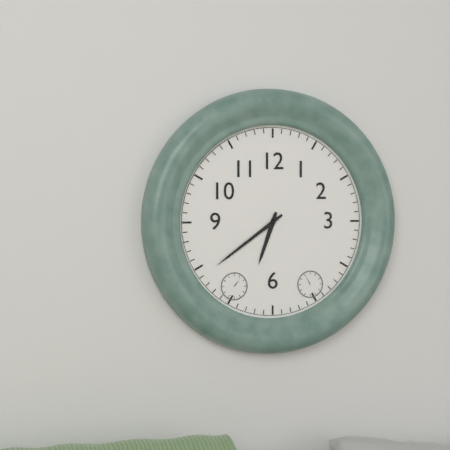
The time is 6,39
